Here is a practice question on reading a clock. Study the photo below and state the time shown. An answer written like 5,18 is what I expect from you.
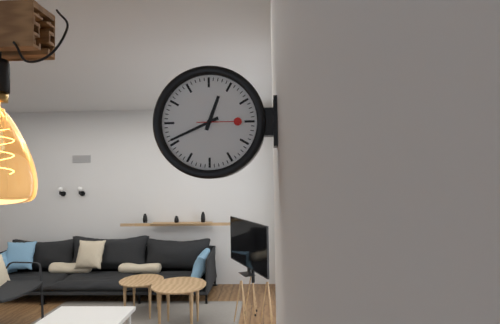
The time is 12,41
